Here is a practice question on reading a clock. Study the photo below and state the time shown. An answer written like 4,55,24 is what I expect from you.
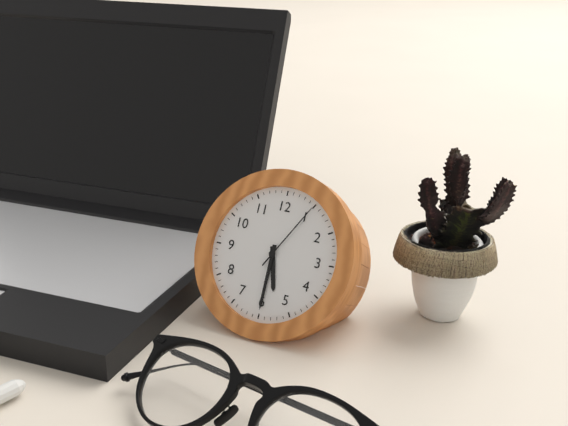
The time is 5,30,05
